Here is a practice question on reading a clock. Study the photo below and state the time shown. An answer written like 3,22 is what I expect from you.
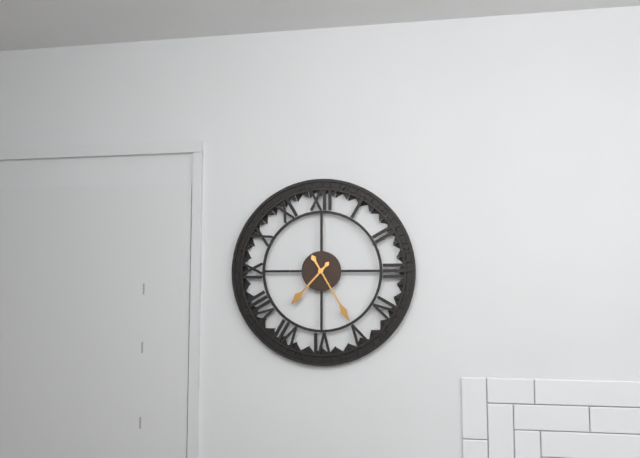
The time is 7,25
